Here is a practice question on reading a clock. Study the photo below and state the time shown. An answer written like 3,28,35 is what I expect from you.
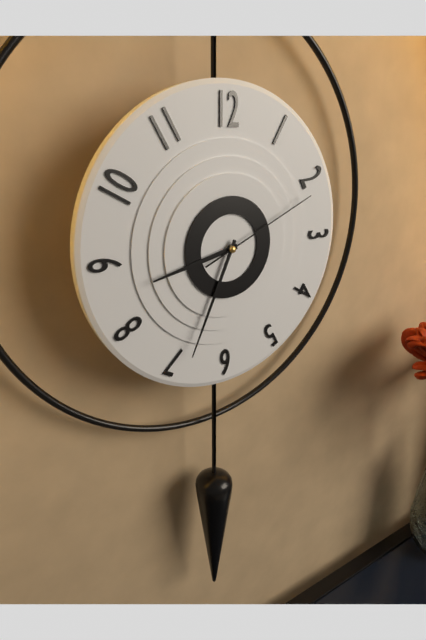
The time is 8,34,11
